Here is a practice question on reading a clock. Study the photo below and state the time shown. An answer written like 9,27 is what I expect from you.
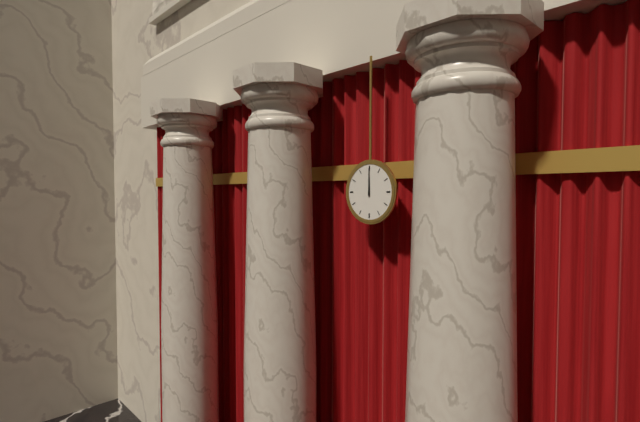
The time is 12,00
